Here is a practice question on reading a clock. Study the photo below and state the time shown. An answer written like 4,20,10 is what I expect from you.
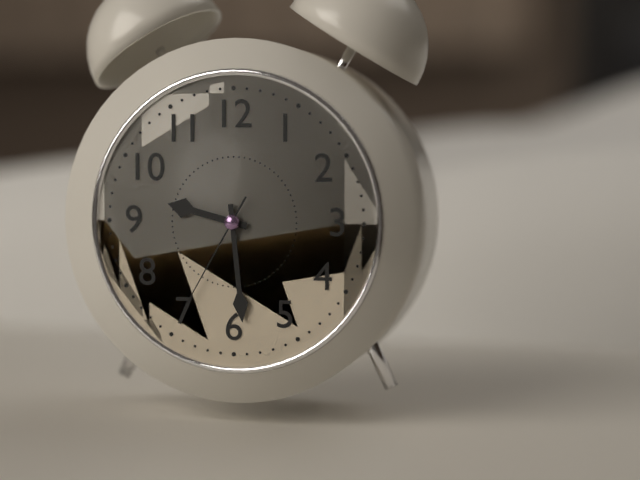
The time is 9,29,35
